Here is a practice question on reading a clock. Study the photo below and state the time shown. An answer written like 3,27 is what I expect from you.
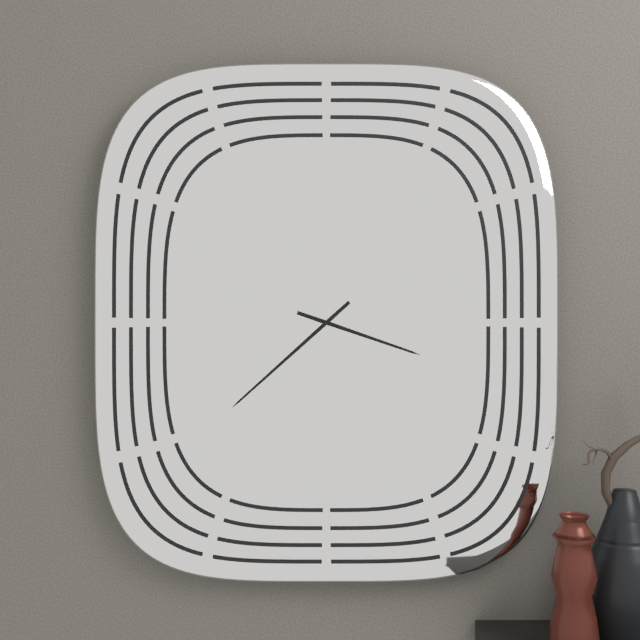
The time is 3,38
